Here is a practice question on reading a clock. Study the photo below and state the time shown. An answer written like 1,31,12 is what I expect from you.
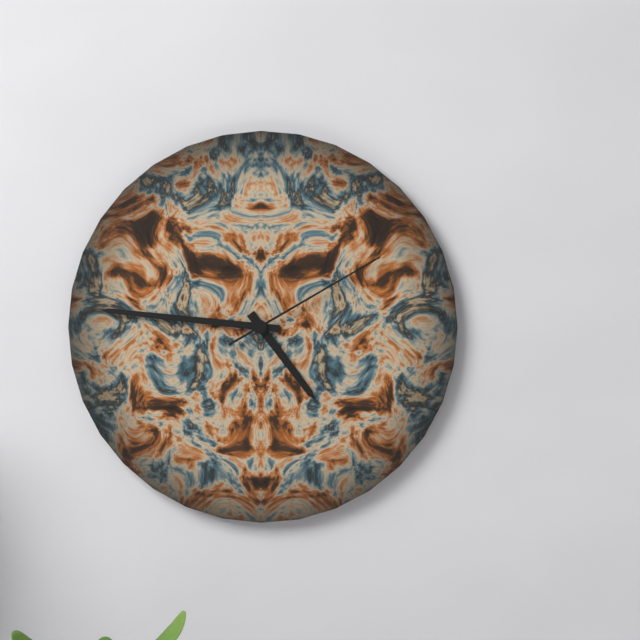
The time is 4,46,10
